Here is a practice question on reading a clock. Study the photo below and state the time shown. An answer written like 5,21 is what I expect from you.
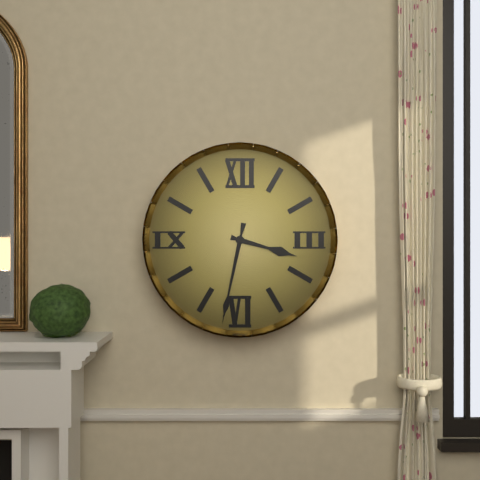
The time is 3,32
